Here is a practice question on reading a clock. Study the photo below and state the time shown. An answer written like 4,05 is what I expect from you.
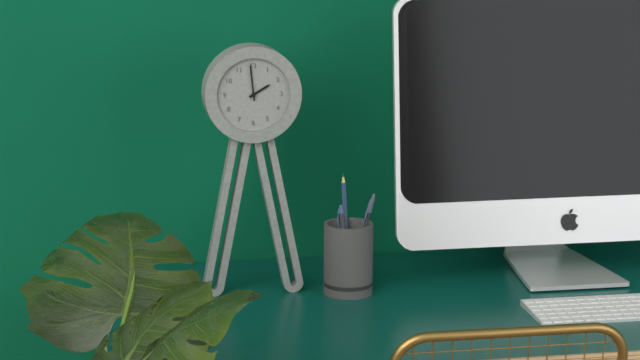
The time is 1,59
